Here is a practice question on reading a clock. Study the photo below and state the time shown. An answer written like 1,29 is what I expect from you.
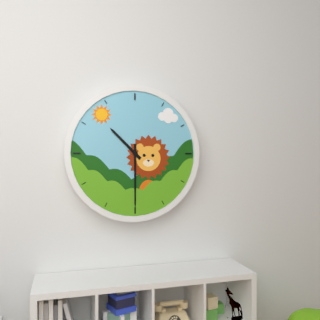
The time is 10,30
